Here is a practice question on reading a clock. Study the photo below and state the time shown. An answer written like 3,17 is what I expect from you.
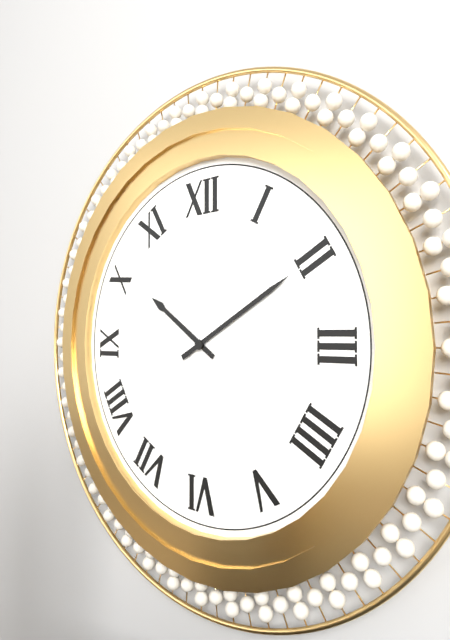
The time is 10,10
